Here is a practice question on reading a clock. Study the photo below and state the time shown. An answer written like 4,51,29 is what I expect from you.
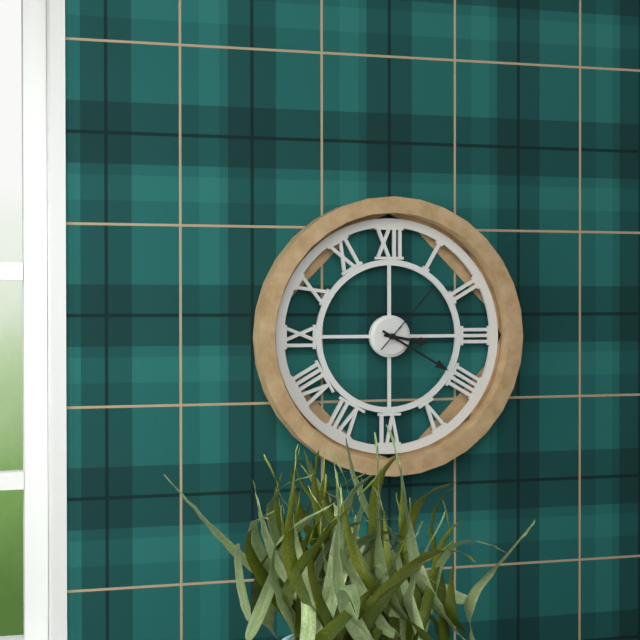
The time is 3,20,07
